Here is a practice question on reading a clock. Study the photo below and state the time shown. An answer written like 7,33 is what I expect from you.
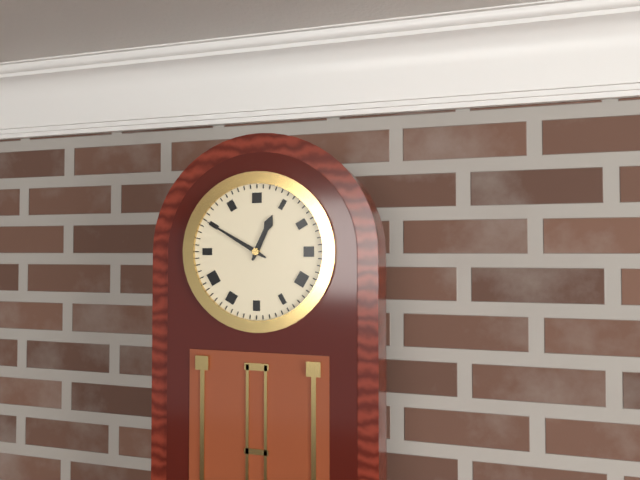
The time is 12,50
